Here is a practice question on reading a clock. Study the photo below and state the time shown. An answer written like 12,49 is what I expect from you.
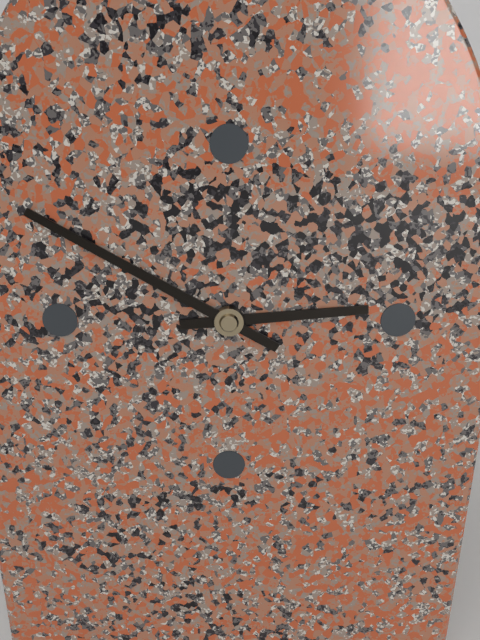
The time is 2,50
